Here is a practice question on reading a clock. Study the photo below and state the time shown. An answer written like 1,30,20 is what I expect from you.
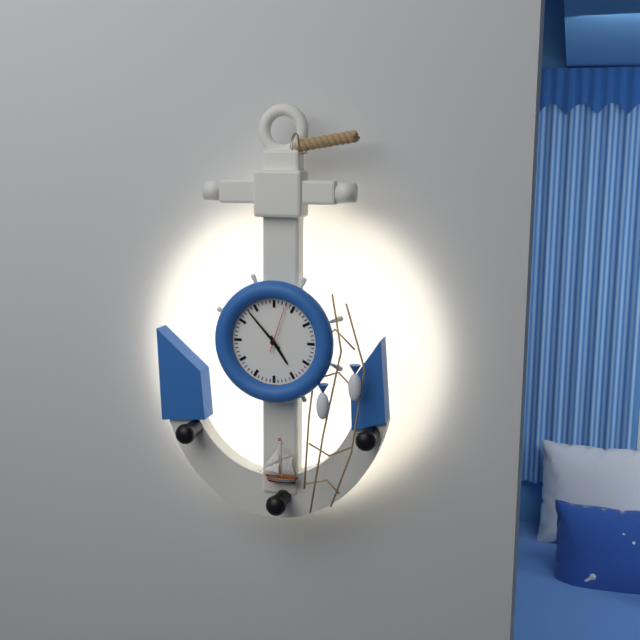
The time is 4,53,03
